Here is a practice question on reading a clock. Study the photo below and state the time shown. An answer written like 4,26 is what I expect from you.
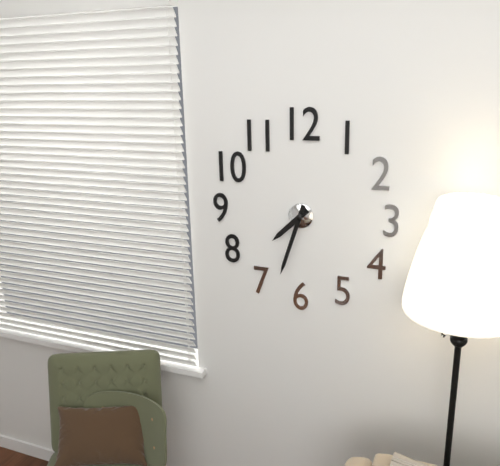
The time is 7,33
